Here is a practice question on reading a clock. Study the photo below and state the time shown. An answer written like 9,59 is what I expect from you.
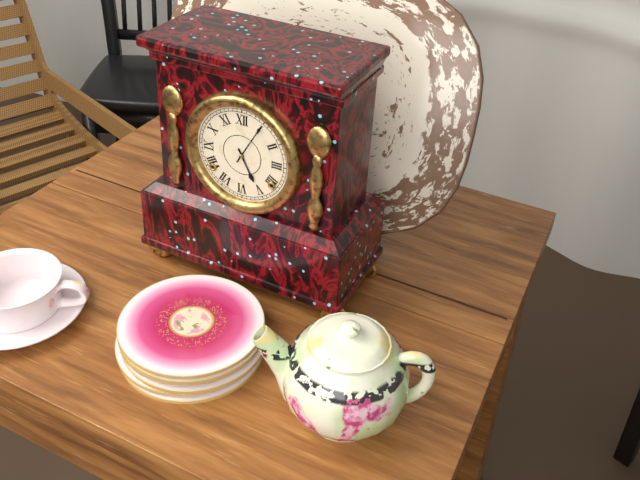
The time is 5,05
